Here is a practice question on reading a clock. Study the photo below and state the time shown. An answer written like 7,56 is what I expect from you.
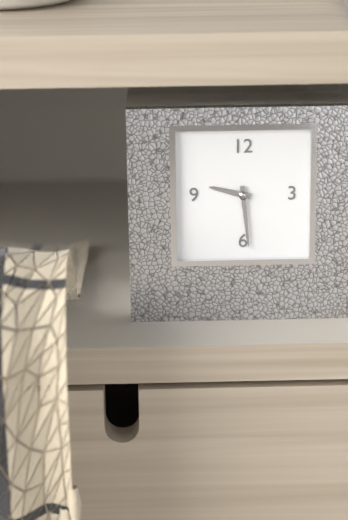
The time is 9,29
